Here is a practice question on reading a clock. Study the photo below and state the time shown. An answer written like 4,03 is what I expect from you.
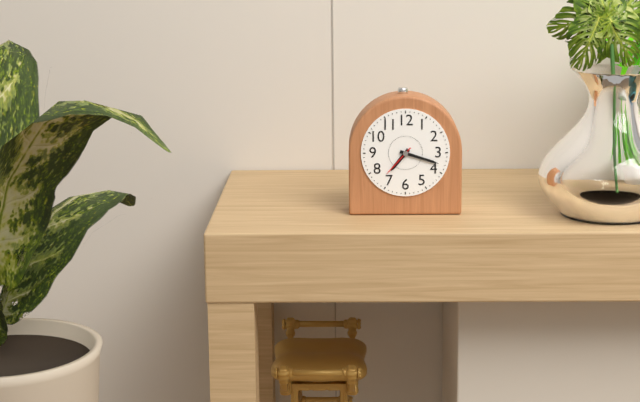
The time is 7,18
